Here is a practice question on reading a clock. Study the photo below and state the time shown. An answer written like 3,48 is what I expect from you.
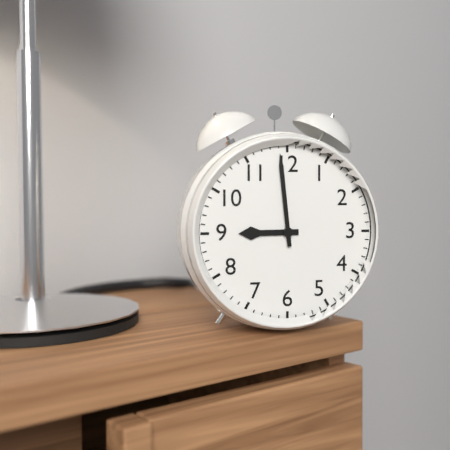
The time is 8,59
